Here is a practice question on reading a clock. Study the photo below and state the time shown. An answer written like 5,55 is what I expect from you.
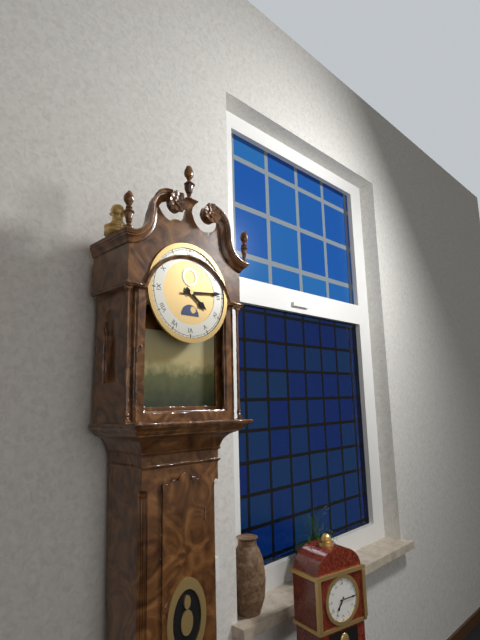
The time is 4,14
